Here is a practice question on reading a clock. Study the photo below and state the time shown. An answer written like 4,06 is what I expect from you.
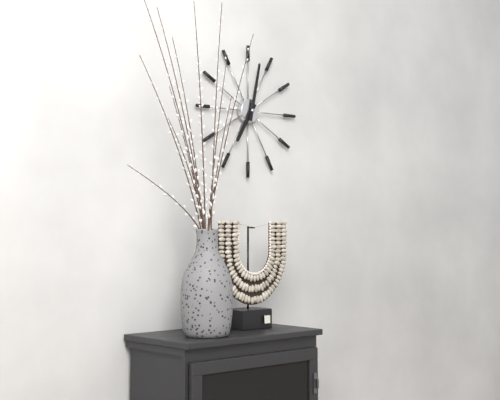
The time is 7,02
